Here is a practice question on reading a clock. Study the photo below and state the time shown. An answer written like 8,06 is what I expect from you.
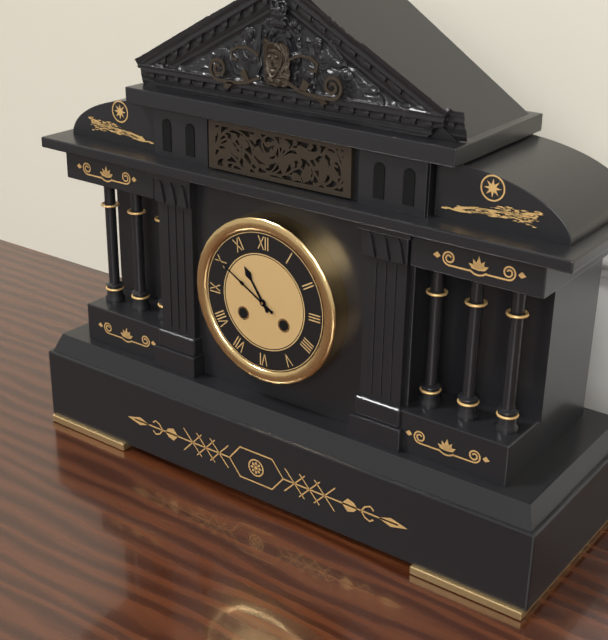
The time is 10,50
